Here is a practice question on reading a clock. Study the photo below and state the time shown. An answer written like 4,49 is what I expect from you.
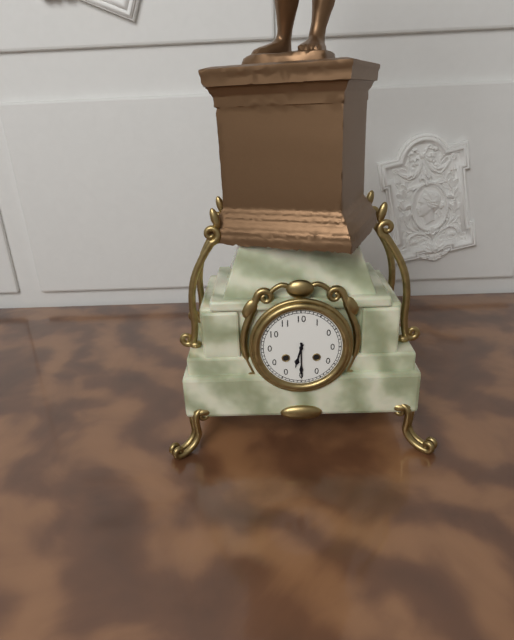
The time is 6,30
